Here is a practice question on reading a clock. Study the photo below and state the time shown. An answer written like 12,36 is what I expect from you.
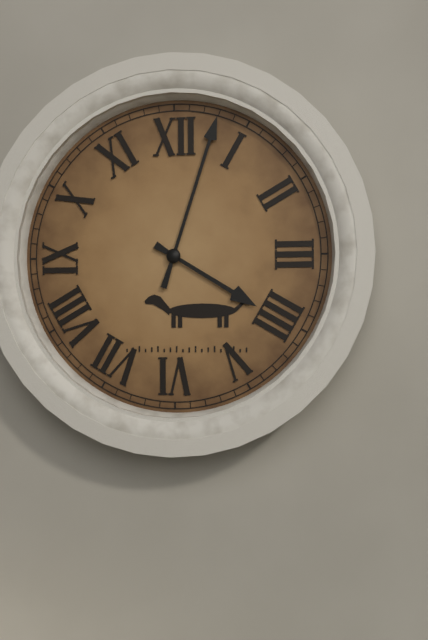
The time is 4,03
